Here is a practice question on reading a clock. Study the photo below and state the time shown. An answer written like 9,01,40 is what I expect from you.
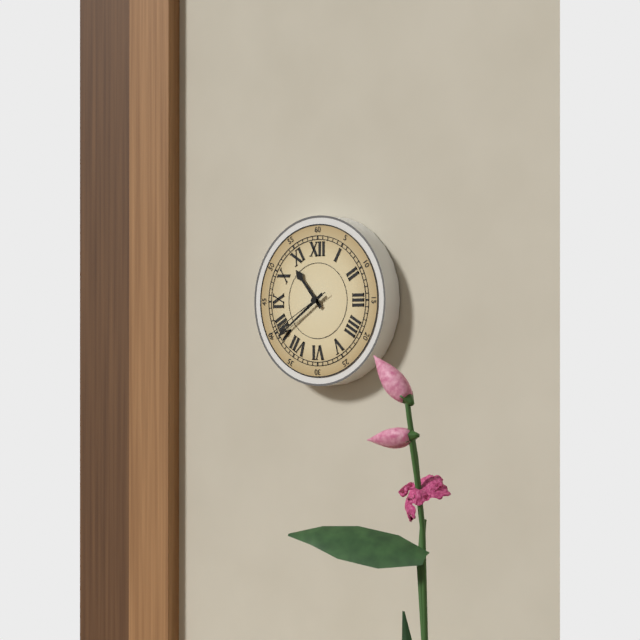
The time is 10,39,40
